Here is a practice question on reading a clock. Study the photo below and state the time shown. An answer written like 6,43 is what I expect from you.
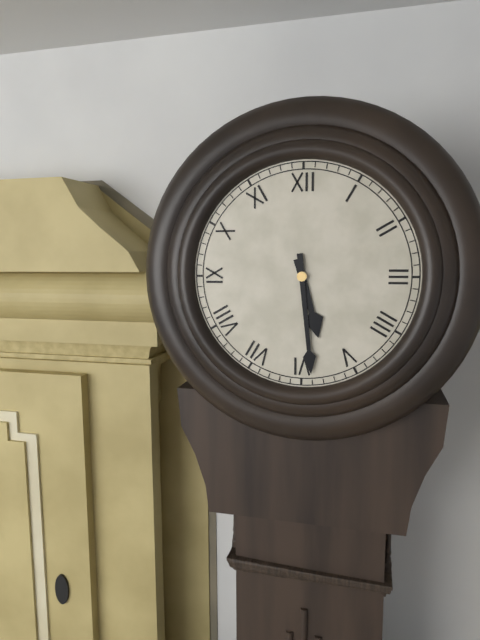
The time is 5,29
